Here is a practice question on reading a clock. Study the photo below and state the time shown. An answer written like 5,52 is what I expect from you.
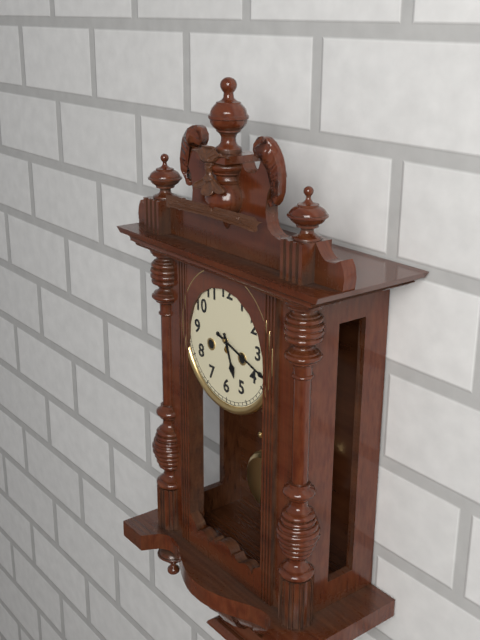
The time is 5,18
